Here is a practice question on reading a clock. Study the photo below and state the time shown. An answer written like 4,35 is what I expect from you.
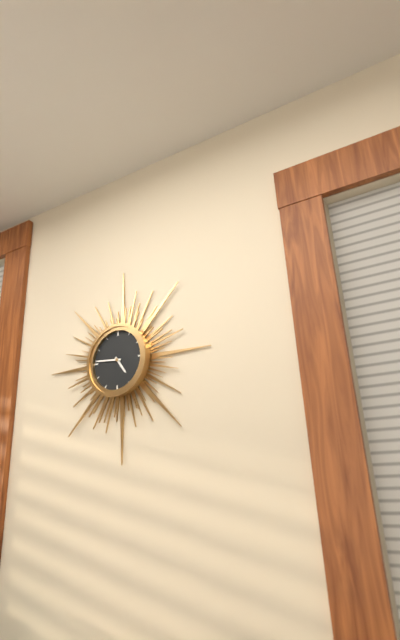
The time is 4,46
